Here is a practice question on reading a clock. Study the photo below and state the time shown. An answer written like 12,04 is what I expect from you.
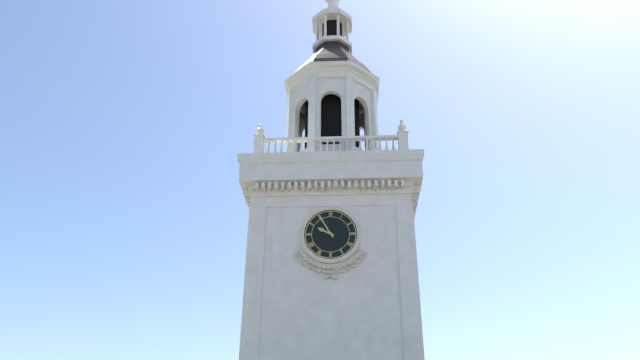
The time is 9,55
